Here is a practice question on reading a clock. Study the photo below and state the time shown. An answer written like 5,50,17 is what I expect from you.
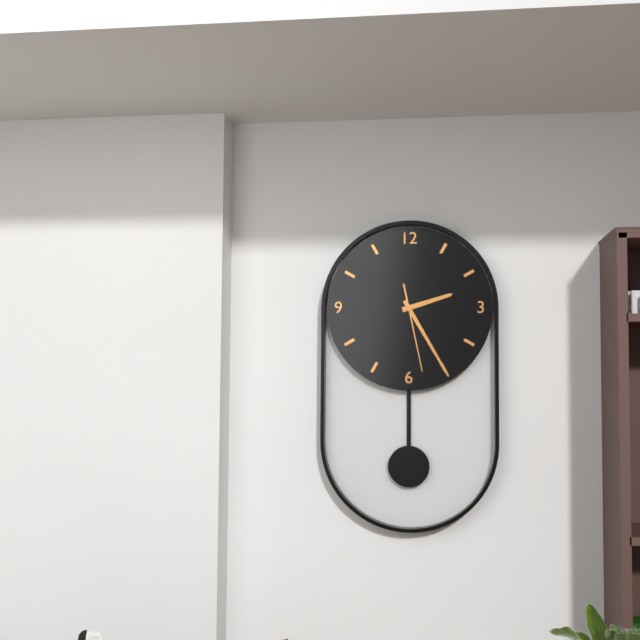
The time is 2,25,28
